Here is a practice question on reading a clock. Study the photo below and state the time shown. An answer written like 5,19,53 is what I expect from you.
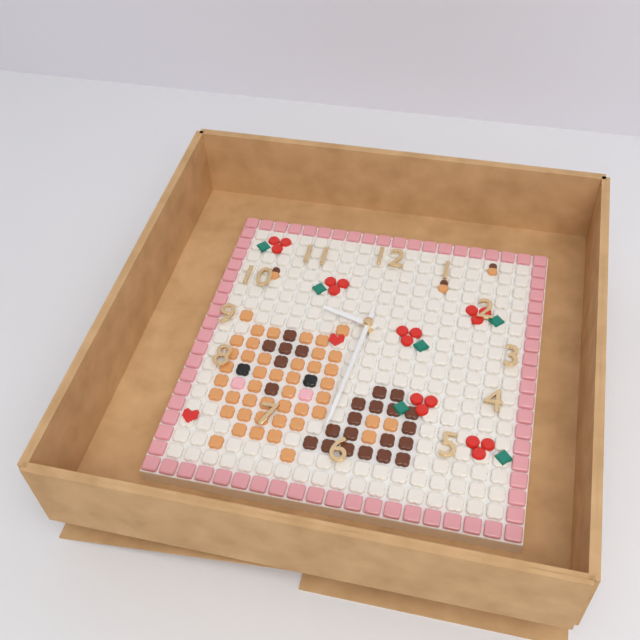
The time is 9,31,31
